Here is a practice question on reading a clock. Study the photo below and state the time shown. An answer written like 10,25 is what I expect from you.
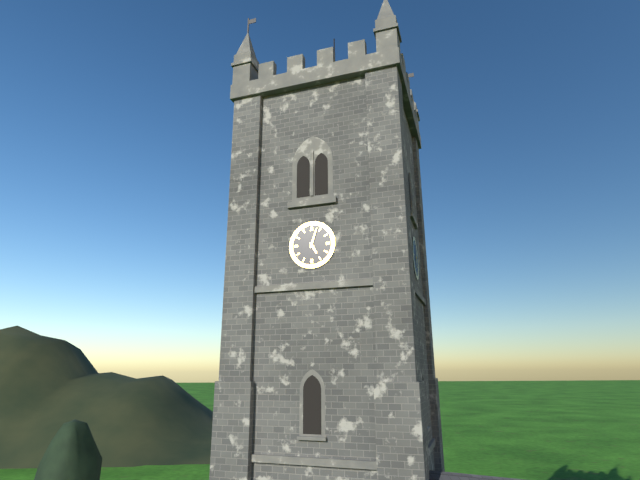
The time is 5,03
